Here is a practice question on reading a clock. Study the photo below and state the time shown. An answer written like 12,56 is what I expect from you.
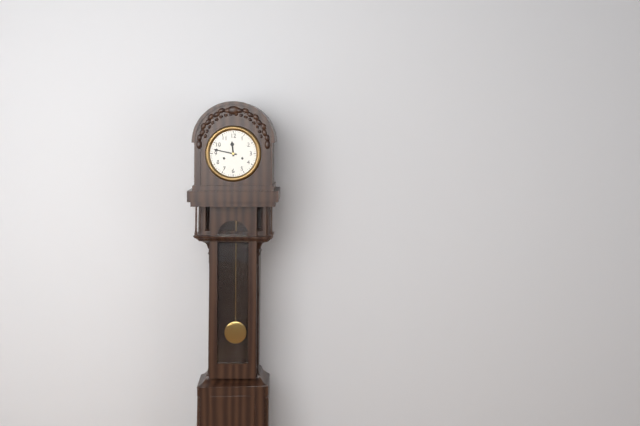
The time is 11,47
